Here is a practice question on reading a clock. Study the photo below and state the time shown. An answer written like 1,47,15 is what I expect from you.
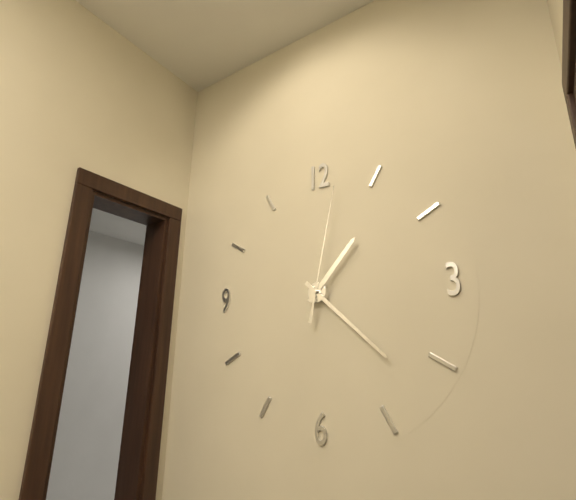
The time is 1,22,02
